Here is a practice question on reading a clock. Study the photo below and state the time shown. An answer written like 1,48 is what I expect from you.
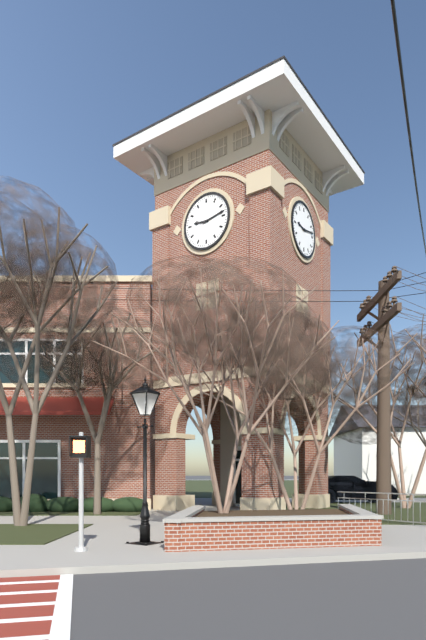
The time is 9,13
